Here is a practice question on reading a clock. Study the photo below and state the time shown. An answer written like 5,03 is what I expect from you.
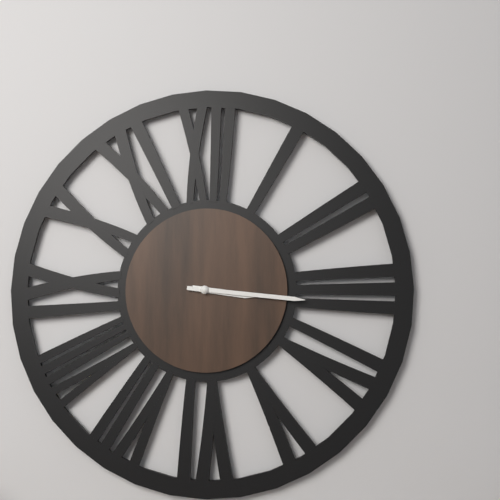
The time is 3,16
